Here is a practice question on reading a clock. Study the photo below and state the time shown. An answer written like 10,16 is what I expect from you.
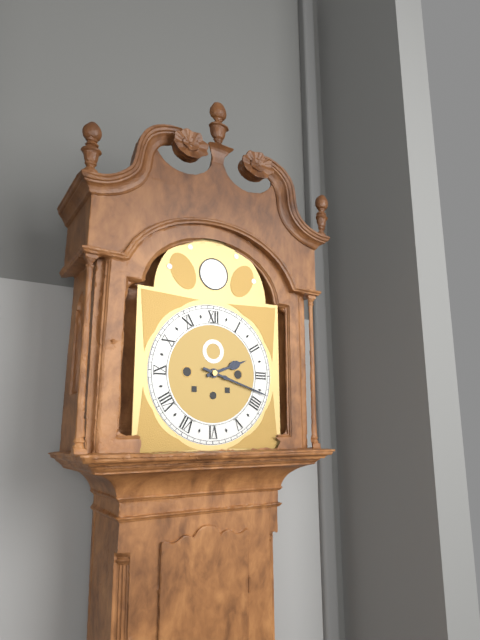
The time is 2,18
